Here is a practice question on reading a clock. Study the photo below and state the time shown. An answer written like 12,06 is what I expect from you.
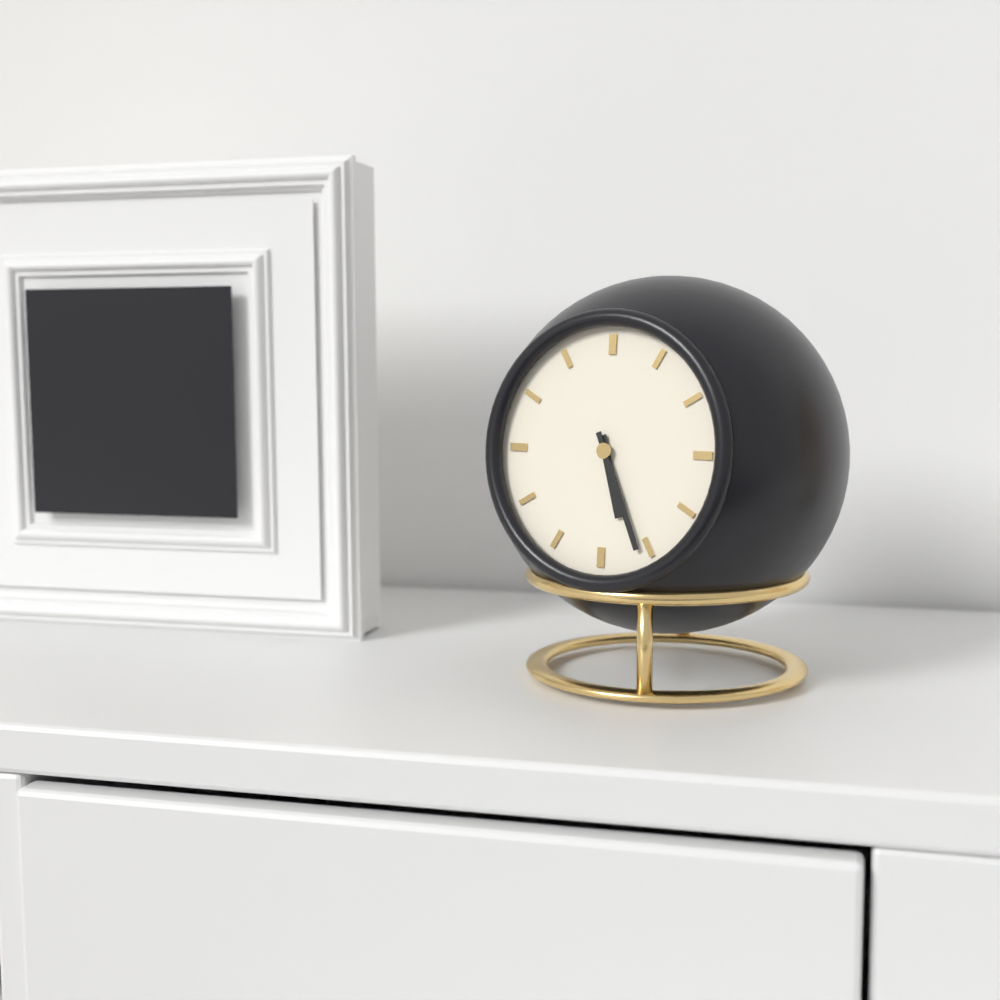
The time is 5,26
